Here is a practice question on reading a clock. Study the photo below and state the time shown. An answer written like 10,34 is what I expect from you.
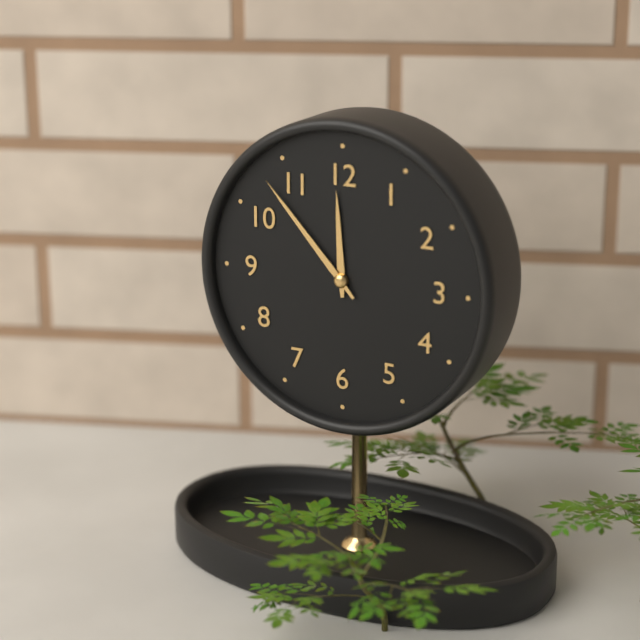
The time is 11,53
